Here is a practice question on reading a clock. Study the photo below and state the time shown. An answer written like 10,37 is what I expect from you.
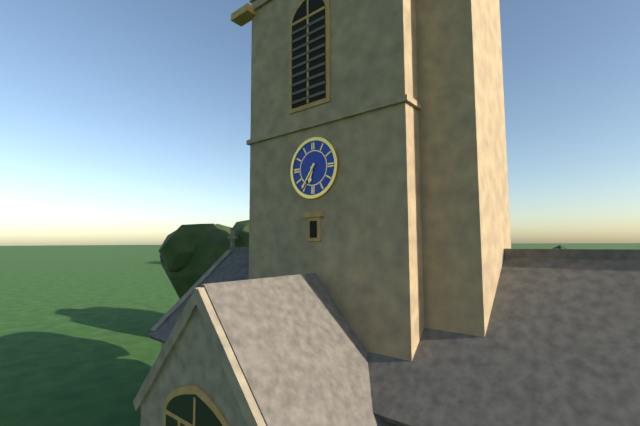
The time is 6,36
